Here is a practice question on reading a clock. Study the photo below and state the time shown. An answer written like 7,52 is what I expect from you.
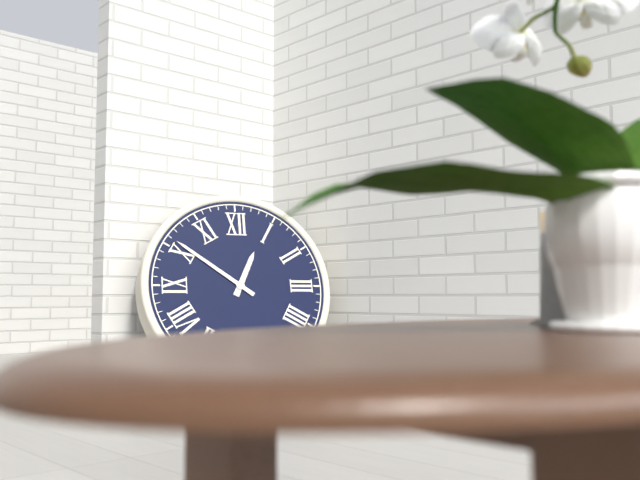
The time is 12,51
